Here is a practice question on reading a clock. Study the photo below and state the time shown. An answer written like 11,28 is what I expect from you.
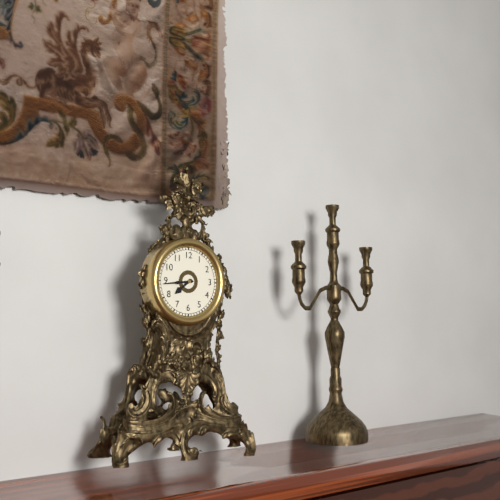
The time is 7,44
